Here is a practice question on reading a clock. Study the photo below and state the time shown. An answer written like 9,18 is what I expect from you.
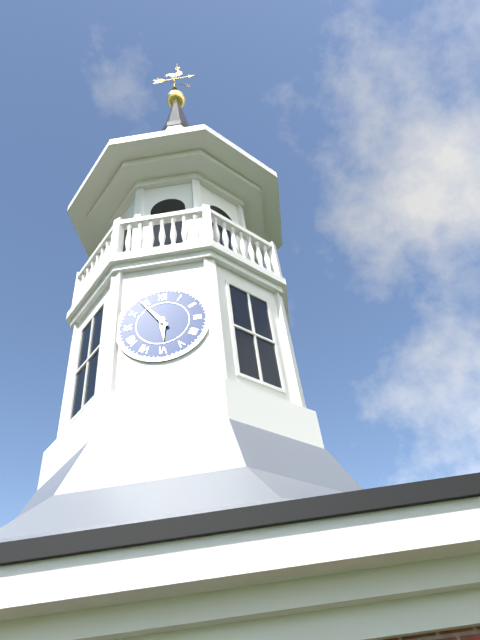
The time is 5,54
